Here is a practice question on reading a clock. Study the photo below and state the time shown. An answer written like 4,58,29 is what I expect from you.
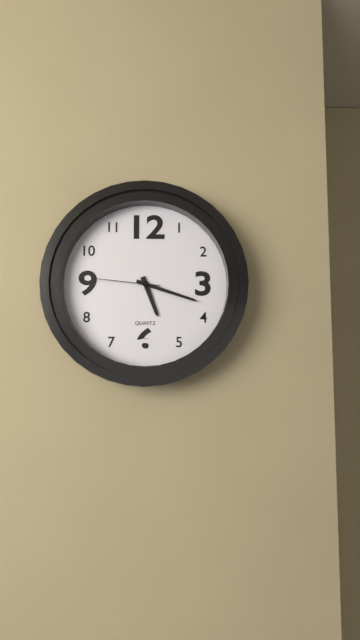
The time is 5,18,46
